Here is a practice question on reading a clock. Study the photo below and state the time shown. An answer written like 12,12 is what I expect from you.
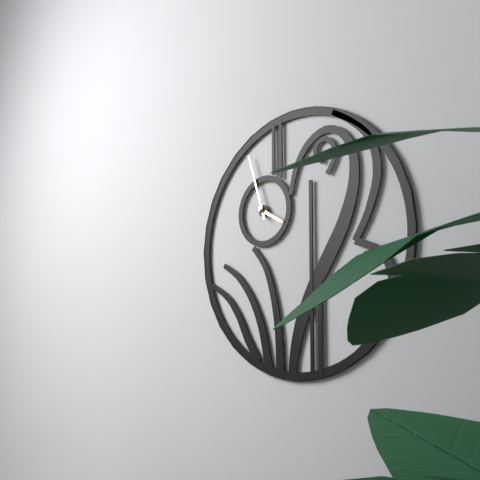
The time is 3,57
